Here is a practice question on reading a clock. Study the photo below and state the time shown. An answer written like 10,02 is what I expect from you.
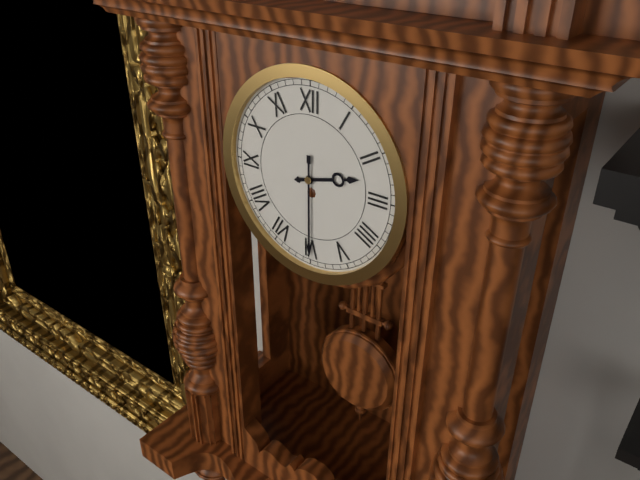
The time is 2,30
